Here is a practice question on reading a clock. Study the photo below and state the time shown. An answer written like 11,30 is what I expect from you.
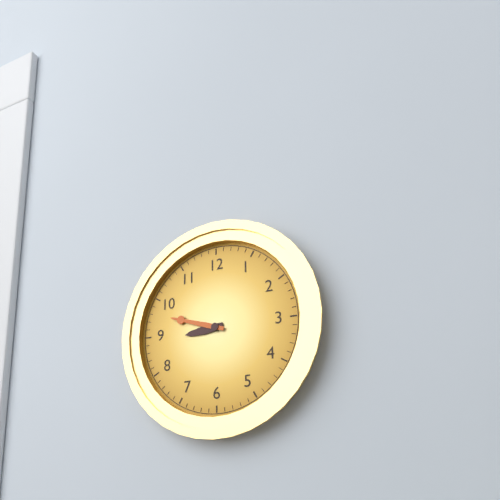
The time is 8,48
